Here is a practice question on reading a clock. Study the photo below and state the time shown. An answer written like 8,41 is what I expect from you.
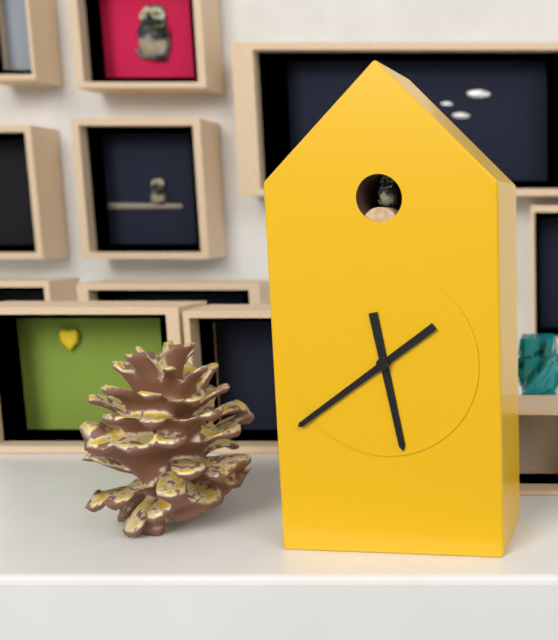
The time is 5,39
